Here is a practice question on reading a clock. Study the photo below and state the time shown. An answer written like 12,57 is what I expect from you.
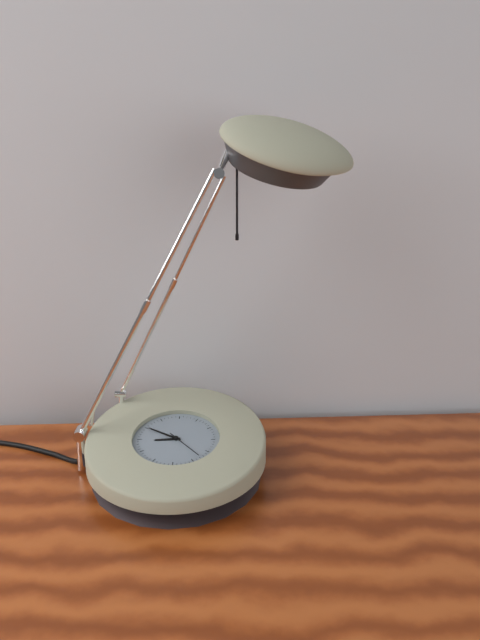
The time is 8,50
